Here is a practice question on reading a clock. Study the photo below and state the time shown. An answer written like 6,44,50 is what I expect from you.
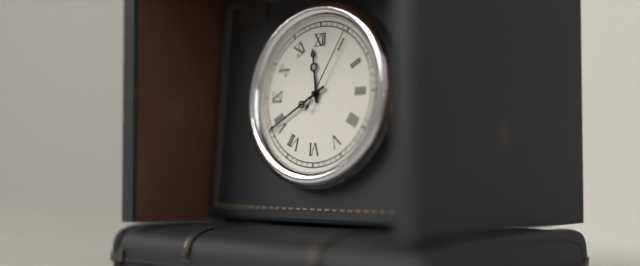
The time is 11,40,05
